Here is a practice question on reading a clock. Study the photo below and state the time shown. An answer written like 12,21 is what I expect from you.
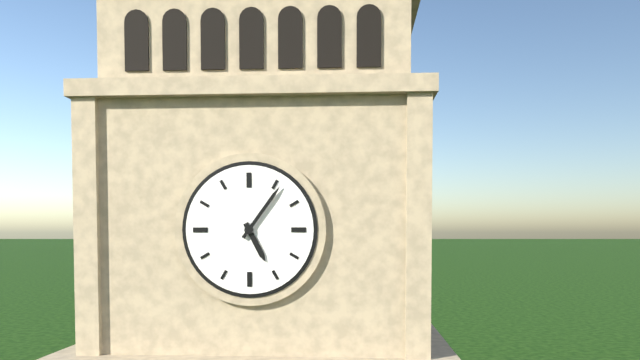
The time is 5,06
